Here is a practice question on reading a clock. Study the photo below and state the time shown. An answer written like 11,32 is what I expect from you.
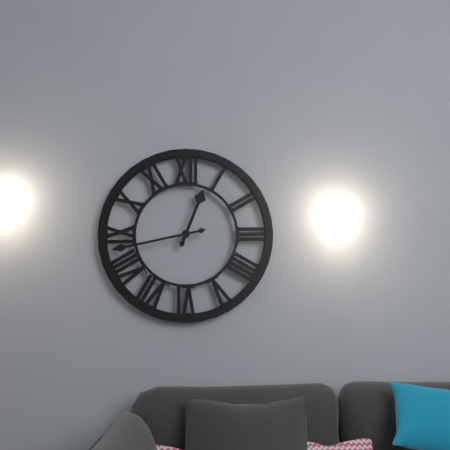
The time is 12,43
